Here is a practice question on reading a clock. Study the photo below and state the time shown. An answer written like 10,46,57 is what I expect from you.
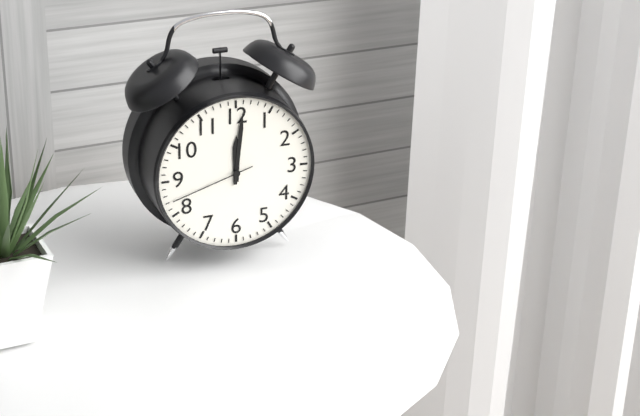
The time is 12,01,42
